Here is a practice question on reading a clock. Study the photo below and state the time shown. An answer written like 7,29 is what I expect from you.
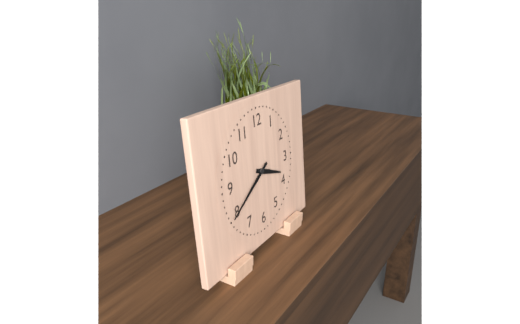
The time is 3,40
